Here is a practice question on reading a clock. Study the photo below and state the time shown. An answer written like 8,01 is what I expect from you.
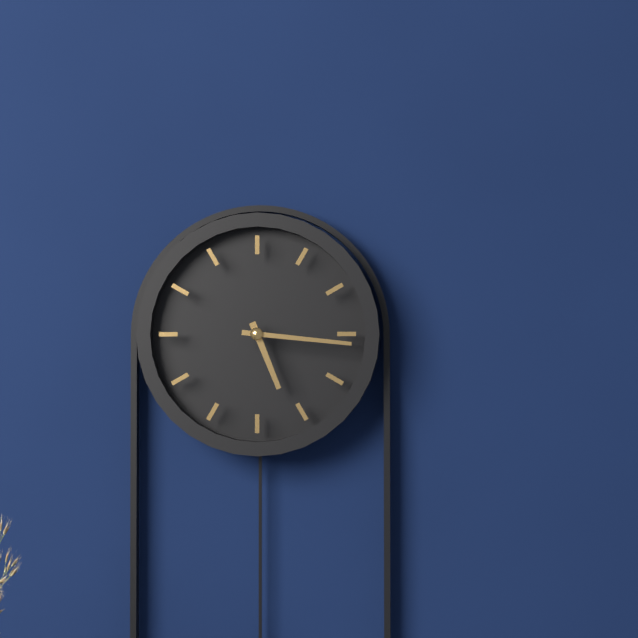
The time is 5,16
